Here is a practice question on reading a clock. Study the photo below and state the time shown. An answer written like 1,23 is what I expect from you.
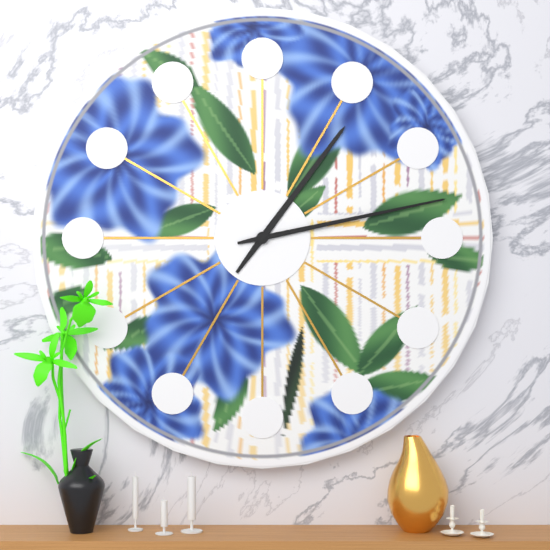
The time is 1,13
